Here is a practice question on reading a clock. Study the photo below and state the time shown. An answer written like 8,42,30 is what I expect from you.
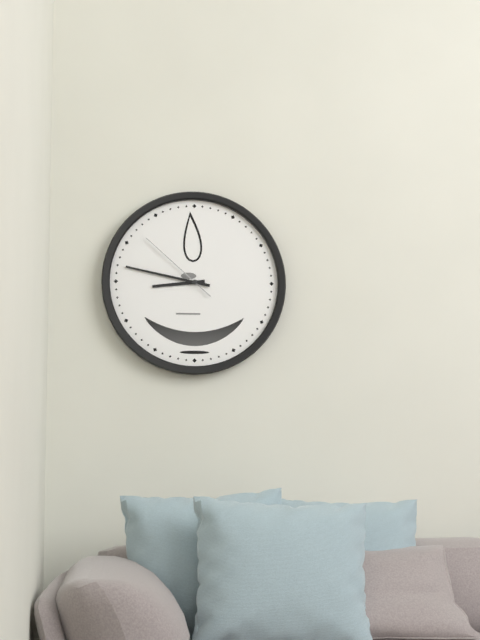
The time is 8,47,52
